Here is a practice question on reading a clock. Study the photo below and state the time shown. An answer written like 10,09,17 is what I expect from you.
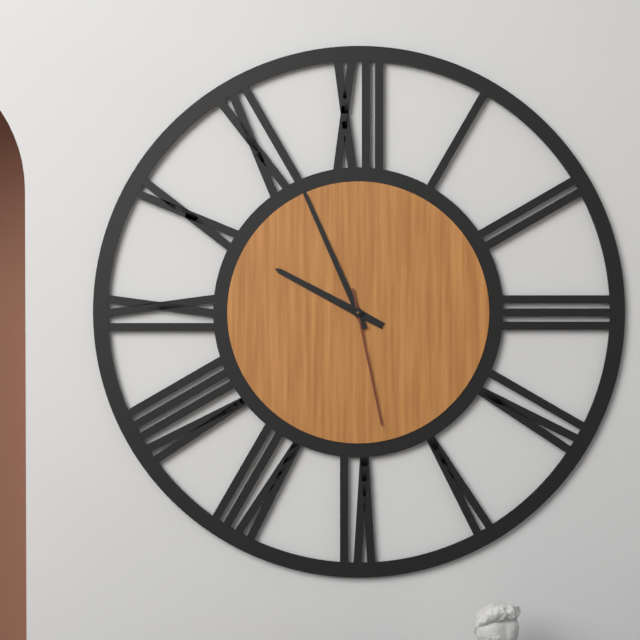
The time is 9,56,28
